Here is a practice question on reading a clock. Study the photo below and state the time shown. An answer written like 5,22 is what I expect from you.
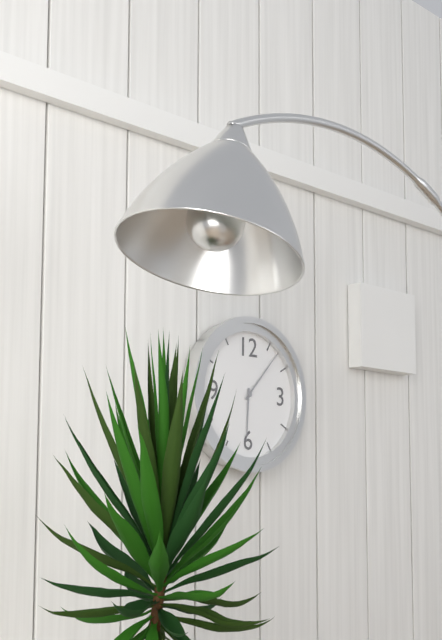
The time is 6,07
